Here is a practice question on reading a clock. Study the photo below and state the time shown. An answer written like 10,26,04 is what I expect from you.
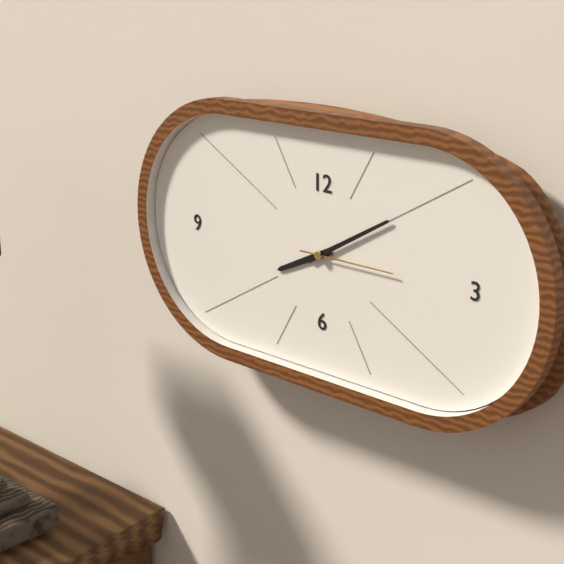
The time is 8,10,15
